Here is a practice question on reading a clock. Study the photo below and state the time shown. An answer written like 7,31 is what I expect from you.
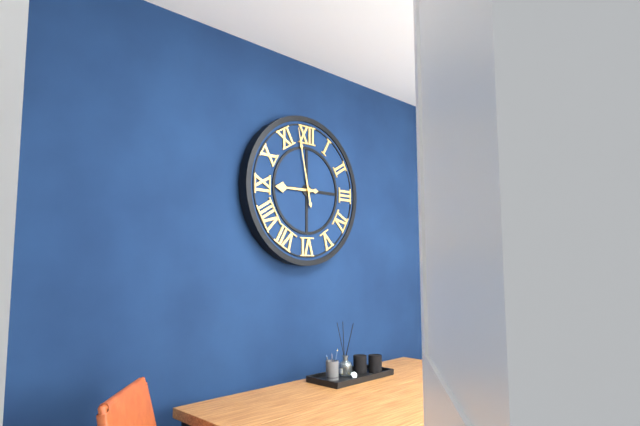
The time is 8,58
